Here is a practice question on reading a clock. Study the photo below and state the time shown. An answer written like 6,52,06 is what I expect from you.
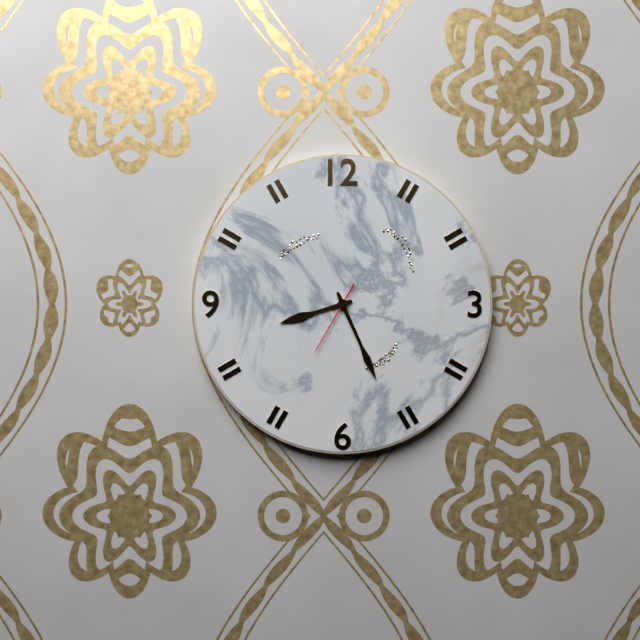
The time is 8,26,35
